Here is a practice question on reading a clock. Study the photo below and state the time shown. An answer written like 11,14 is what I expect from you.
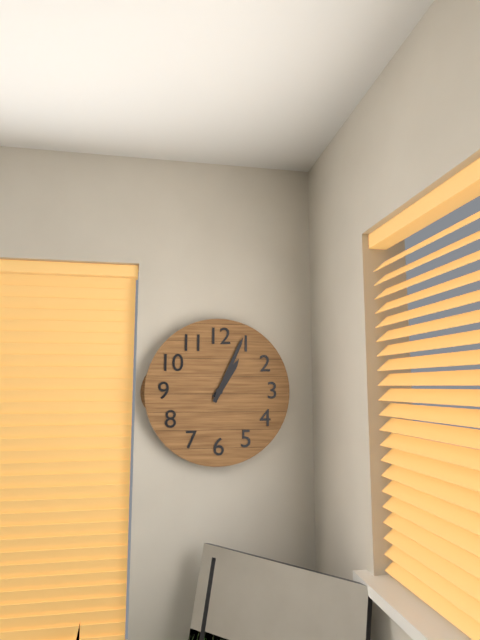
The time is 1,04
